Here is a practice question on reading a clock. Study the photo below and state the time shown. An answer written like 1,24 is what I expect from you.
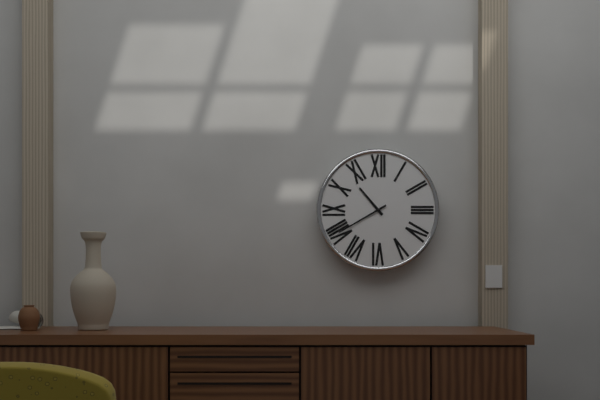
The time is 10,40
